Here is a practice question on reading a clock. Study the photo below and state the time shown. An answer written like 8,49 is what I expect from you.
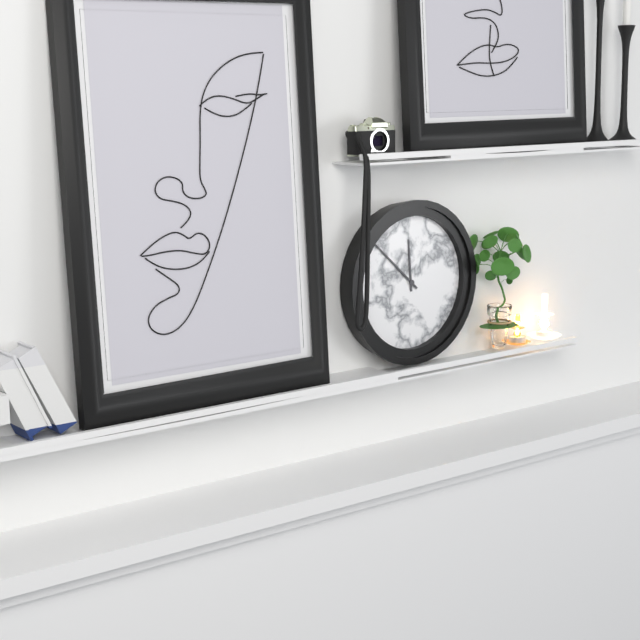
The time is 11,52
